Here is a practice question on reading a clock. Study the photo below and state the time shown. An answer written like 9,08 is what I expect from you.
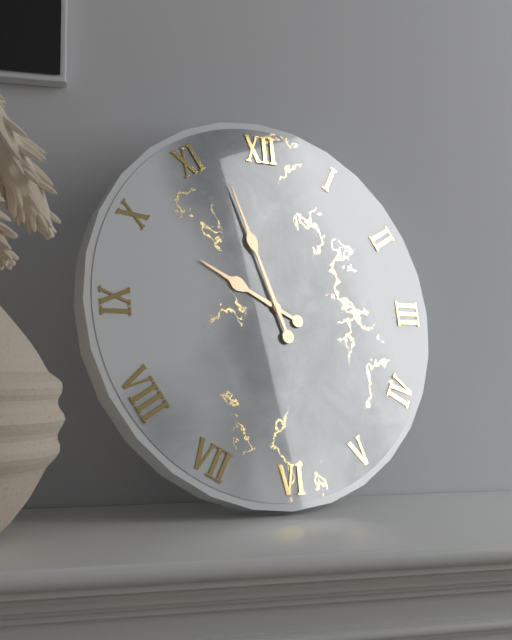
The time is 9,57
